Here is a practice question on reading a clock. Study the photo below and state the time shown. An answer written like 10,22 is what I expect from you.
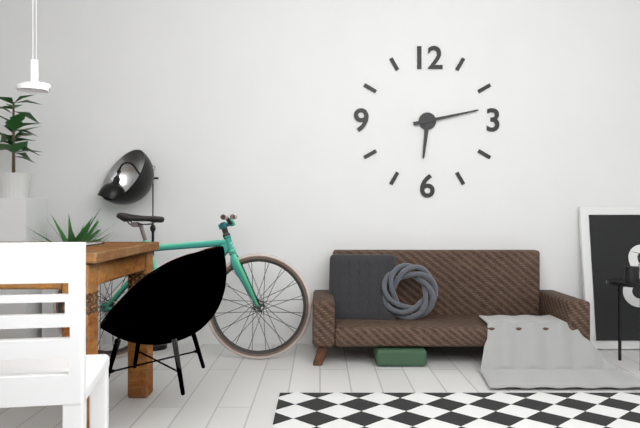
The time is 6,13
